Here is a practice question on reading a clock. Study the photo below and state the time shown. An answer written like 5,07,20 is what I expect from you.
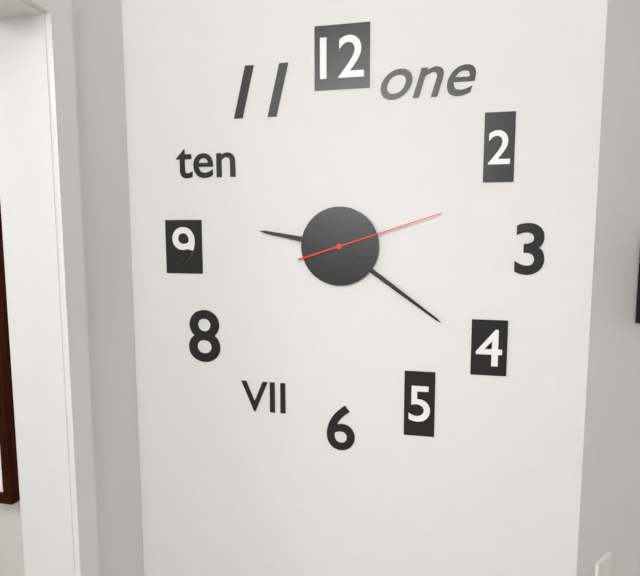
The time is 9,21,12
